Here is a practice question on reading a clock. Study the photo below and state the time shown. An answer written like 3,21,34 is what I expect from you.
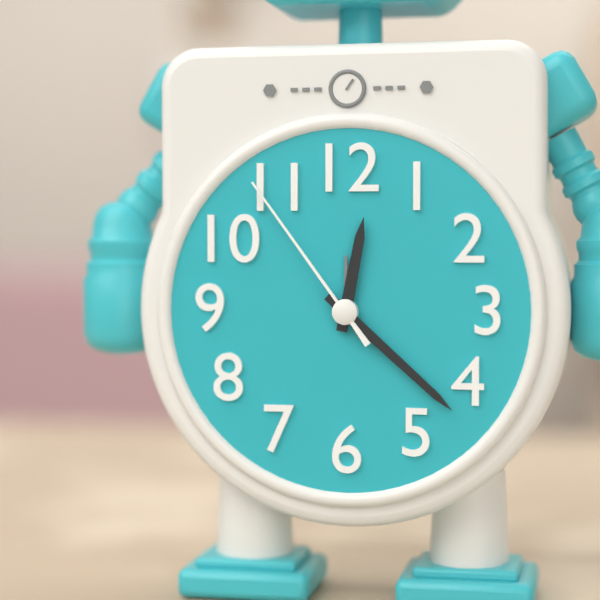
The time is 12,22,54
